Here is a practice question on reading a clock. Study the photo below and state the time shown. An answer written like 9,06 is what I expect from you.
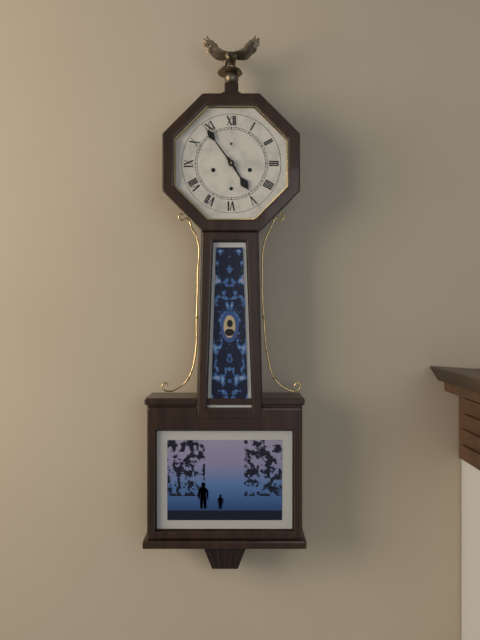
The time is 4,54
